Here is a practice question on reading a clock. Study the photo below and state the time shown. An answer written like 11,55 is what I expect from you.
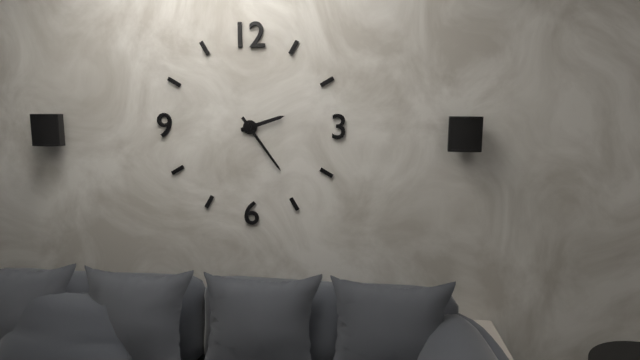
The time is 2,24
